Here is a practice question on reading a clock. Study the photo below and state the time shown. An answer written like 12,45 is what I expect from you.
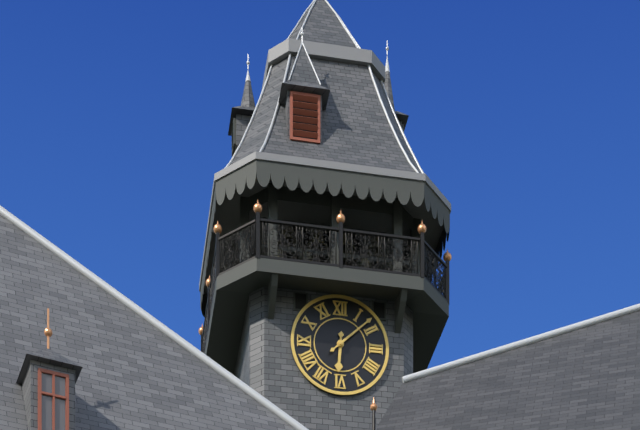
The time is 6,08
